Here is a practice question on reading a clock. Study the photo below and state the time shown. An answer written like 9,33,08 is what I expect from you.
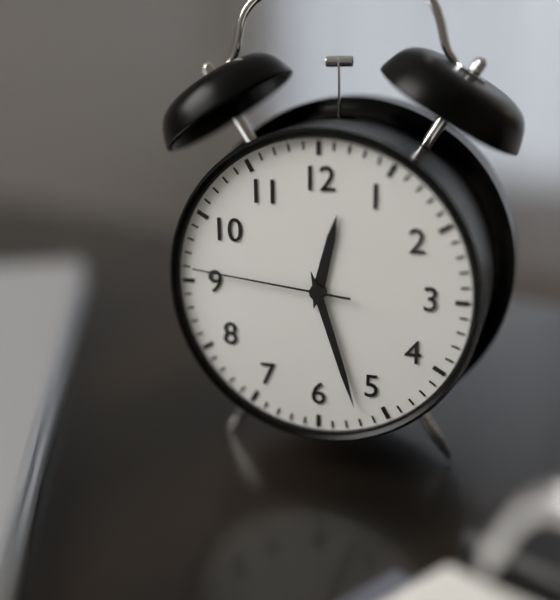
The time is 12,27,46
